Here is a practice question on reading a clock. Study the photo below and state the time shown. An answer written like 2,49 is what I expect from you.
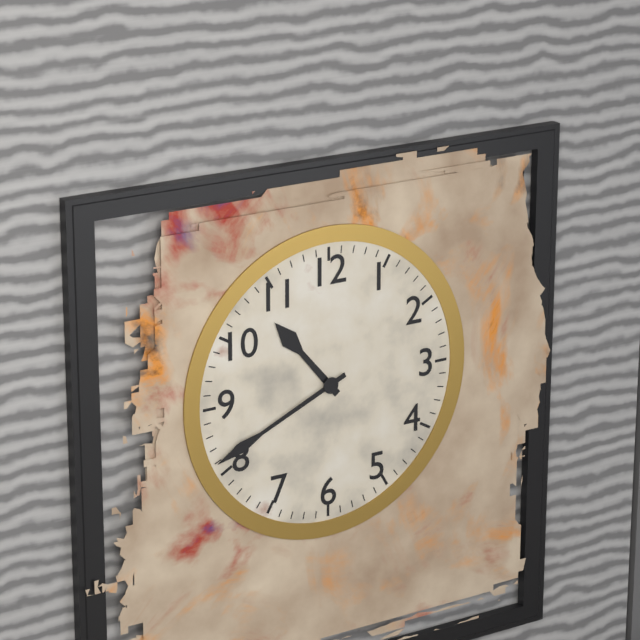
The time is 10,41
